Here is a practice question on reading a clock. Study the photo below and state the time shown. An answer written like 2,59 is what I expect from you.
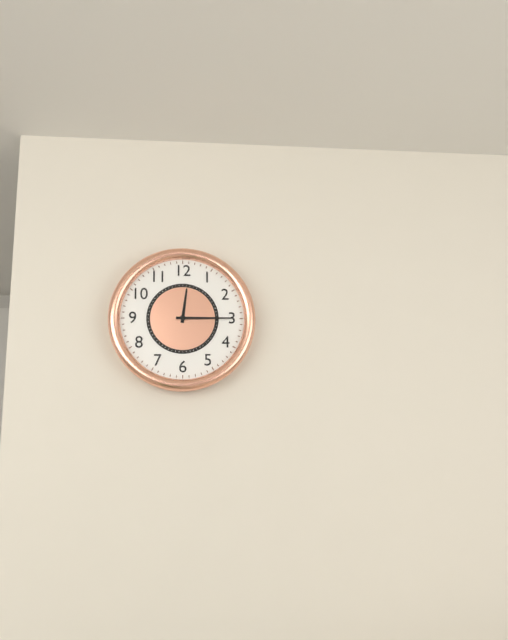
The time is 12,15
